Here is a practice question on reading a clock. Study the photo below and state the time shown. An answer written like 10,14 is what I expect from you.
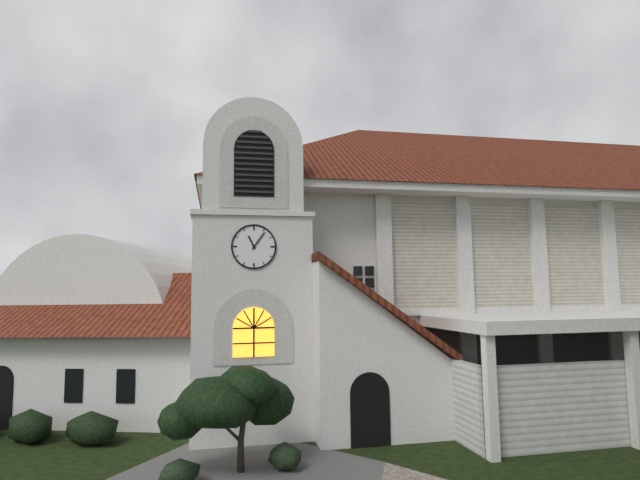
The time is 11,06
